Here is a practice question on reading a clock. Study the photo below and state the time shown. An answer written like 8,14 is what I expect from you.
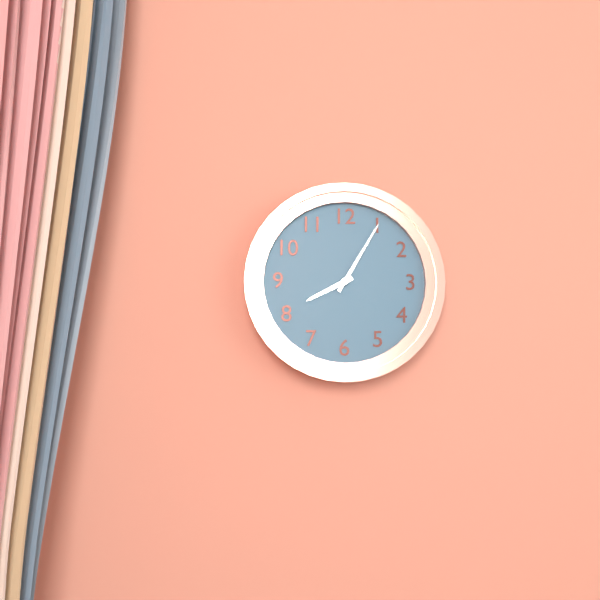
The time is 8,05
